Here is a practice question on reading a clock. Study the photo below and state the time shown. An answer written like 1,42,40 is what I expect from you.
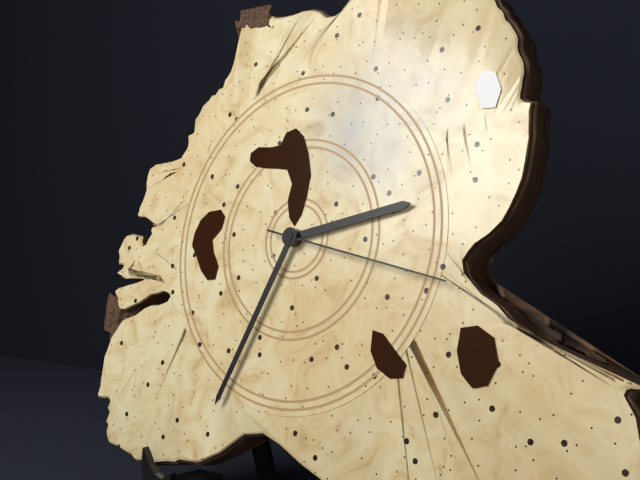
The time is 2,34,17
